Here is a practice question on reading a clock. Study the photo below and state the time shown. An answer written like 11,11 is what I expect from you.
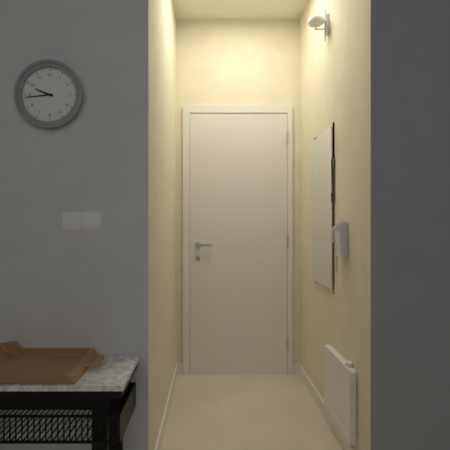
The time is 9,44
